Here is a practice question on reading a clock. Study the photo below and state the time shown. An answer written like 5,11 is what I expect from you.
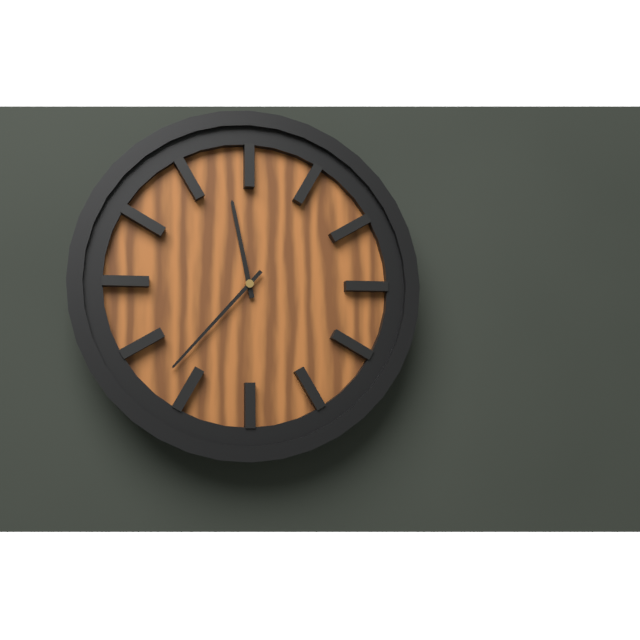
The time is 11,37
